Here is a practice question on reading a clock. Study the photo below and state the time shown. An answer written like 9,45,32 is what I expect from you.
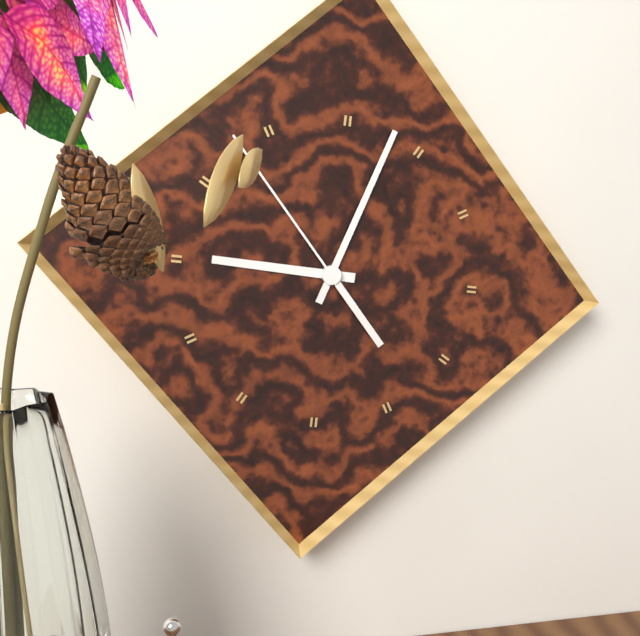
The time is 9,03,53
